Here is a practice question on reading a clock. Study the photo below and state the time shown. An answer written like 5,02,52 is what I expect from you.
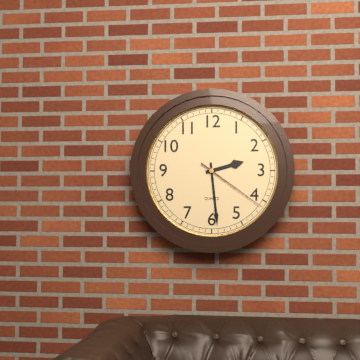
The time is 2,29,21
